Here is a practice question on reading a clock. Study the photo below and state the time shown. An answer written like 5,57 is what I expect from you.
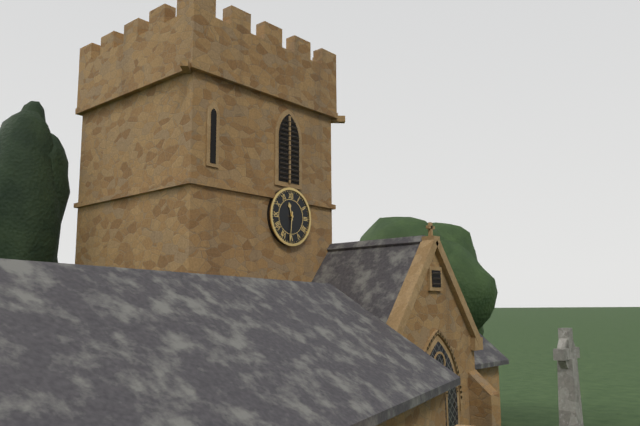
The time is 11,31
